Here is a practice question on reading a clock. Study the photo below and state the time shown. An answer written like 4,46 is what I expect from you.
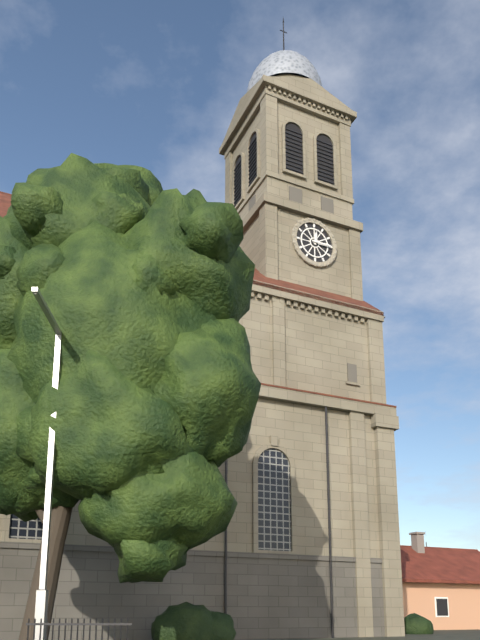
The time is 12,15
